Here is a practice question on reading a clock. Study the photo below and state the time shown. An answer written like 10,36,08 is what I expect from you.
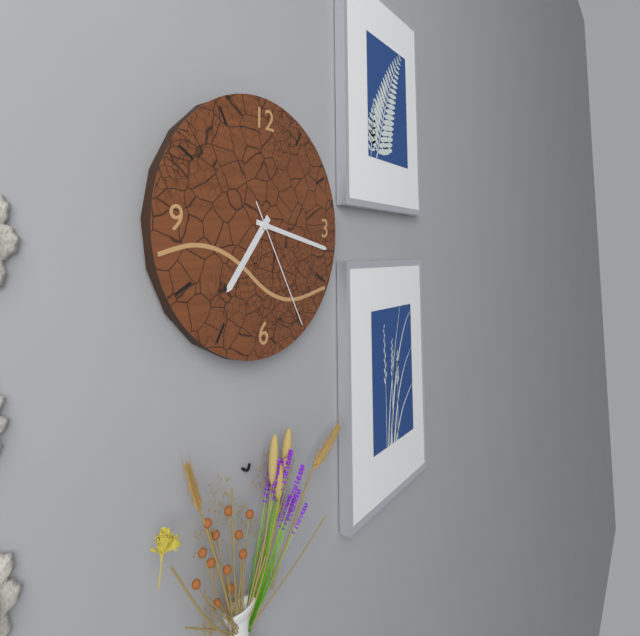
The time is 7,17,25
